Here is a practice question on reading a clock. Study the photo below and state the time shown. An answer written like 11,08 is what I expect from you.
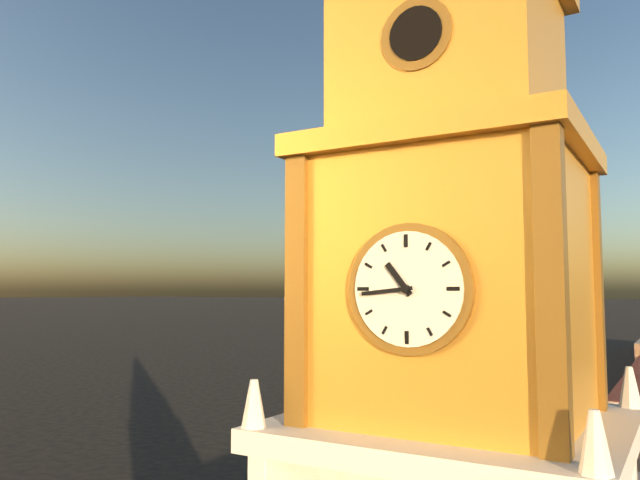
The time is 10,44
